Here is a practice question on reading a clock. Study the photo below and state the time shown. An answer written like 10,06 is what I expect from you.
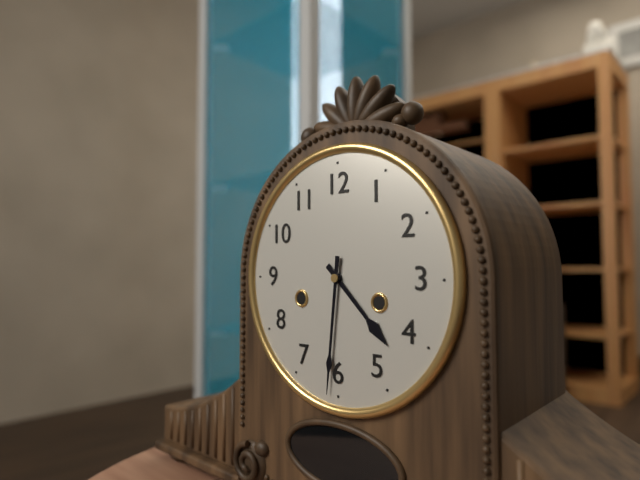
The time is 4,31
